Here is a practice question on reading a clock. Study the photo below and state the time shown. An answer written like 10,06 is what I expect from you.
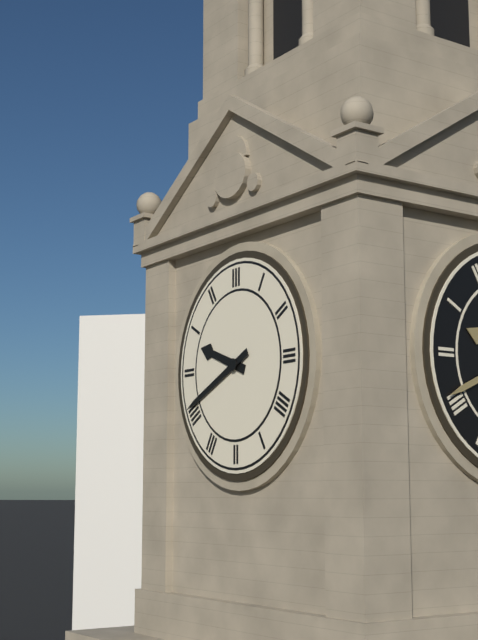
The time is 9,41
